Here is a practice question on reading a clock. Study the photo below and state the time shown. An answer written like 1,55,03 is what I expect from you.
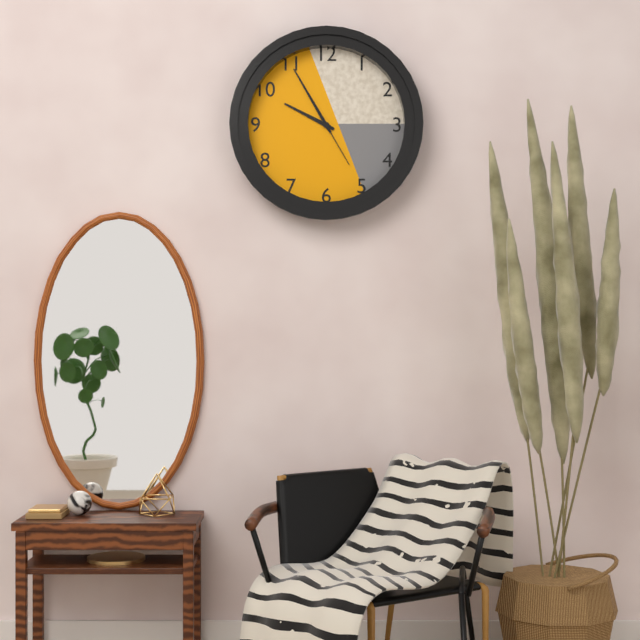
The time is 9,55,25
